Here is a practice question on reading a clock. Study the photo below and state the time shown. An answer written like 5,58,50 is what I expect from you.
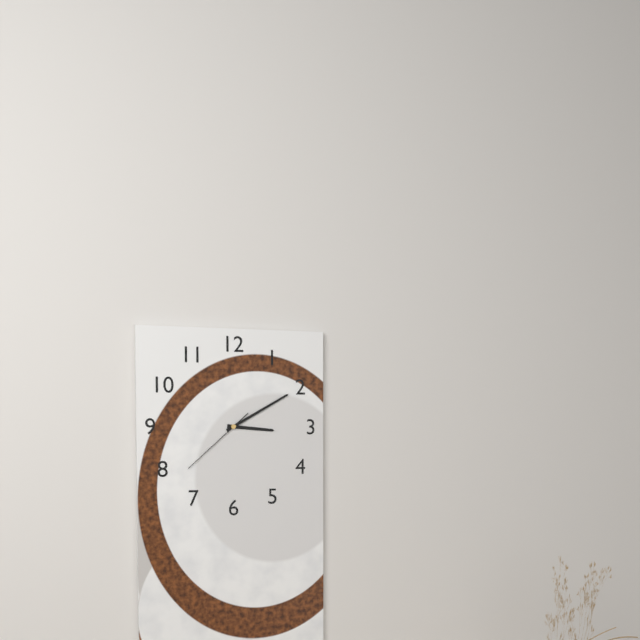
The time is 3,10,38
